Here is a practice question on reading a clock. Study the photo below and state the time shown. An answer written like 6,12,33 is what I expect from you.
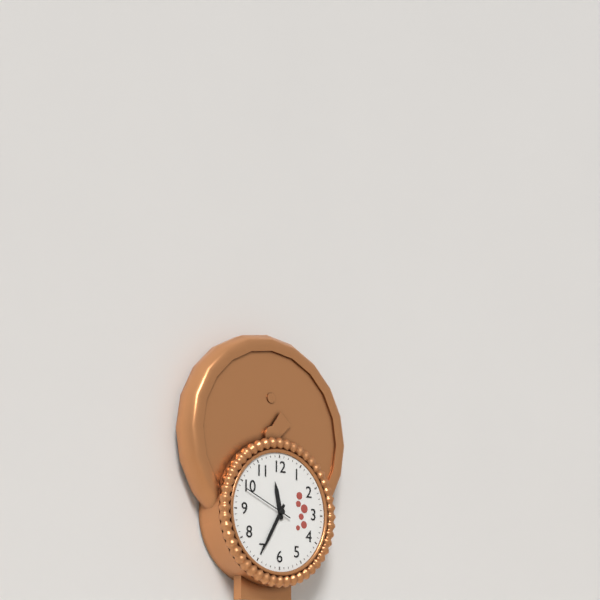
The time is 11,35,49
